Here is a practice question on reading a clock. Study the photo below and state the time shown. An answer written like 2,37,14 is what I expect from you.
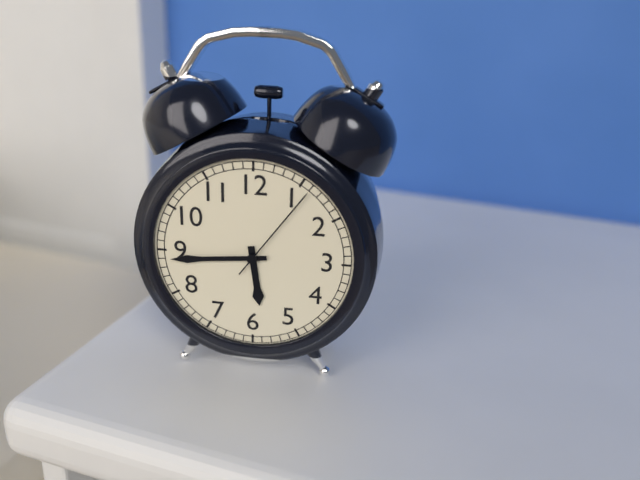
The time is 5,44,06
